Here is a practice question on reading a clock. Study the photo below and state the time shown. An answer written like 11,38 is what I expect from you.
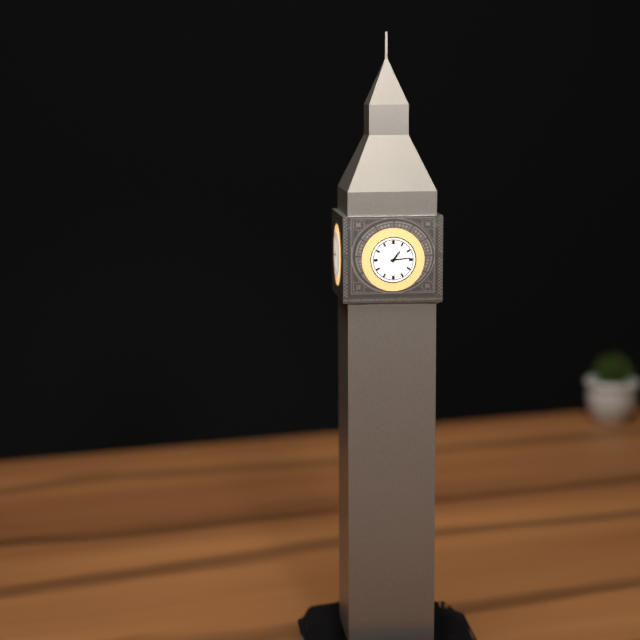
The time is 1,14
